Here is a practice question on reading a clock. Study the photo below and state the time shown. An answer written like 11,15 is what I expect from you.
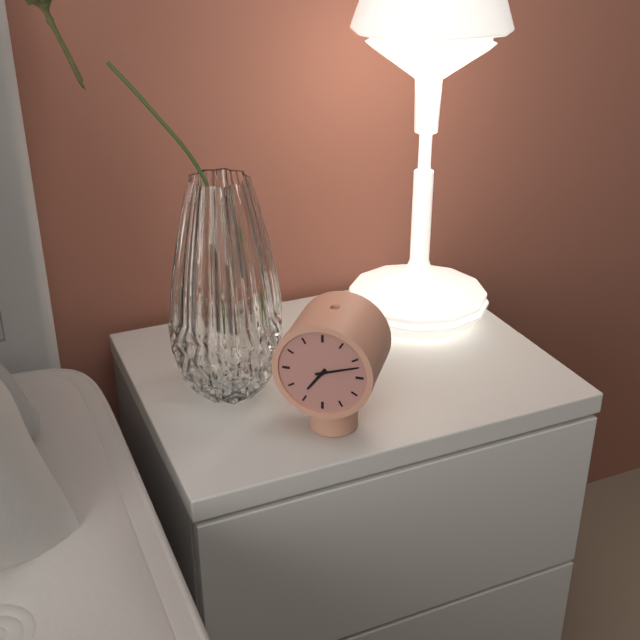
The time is 7,12
